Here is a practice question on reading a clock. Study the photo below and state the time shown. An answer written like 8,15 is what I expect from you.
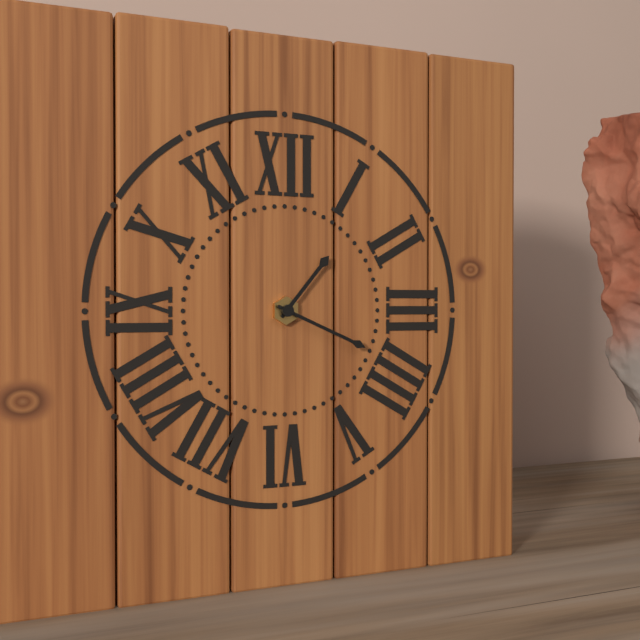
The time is 1,19
